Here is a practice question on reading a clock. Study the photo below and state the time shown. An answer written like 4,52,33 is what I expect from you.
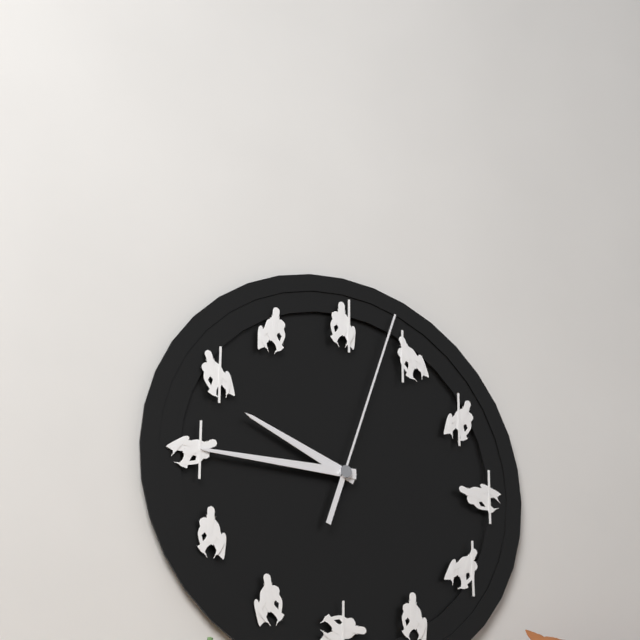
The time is 9,45,03
